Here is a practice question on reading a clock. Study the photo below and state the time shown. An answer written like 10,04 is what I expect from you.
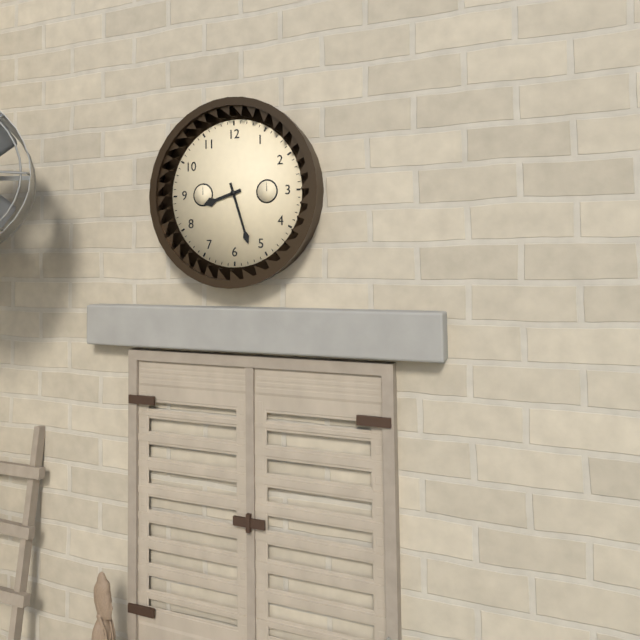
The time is 8,27
